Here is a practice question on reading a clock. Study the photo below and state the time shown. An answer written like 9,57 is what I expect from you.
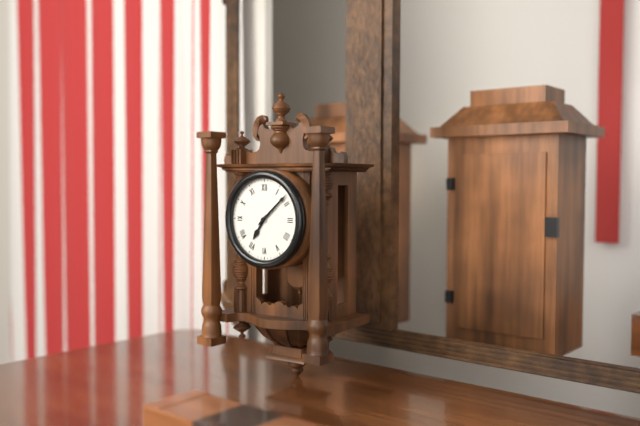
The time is 7,08
